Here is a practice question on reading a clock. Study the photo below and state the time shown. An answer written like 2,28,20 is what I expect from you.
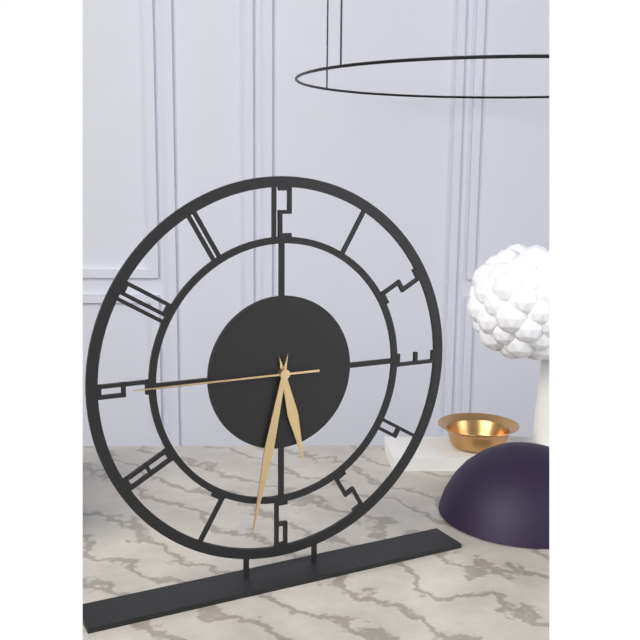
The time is 5,32,45
